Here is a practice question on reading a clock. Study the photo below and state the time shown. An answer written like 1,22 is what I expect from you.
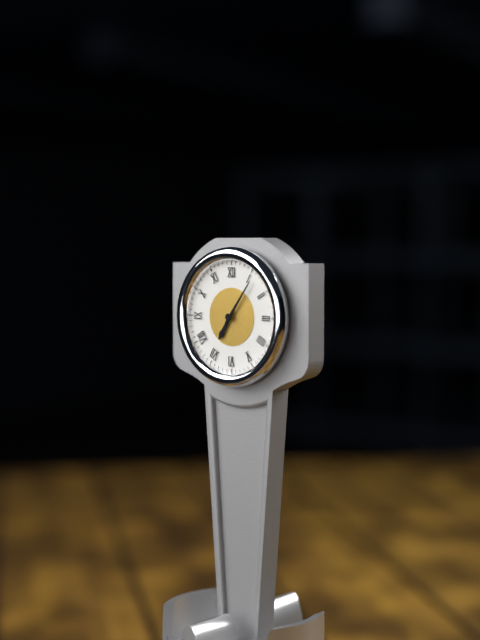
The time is 7,06
